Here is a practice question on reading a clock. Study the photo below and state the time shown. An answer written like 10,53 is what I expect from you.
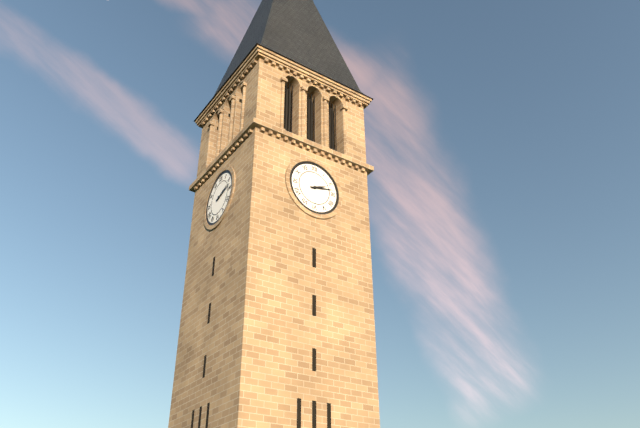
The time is 2,13
